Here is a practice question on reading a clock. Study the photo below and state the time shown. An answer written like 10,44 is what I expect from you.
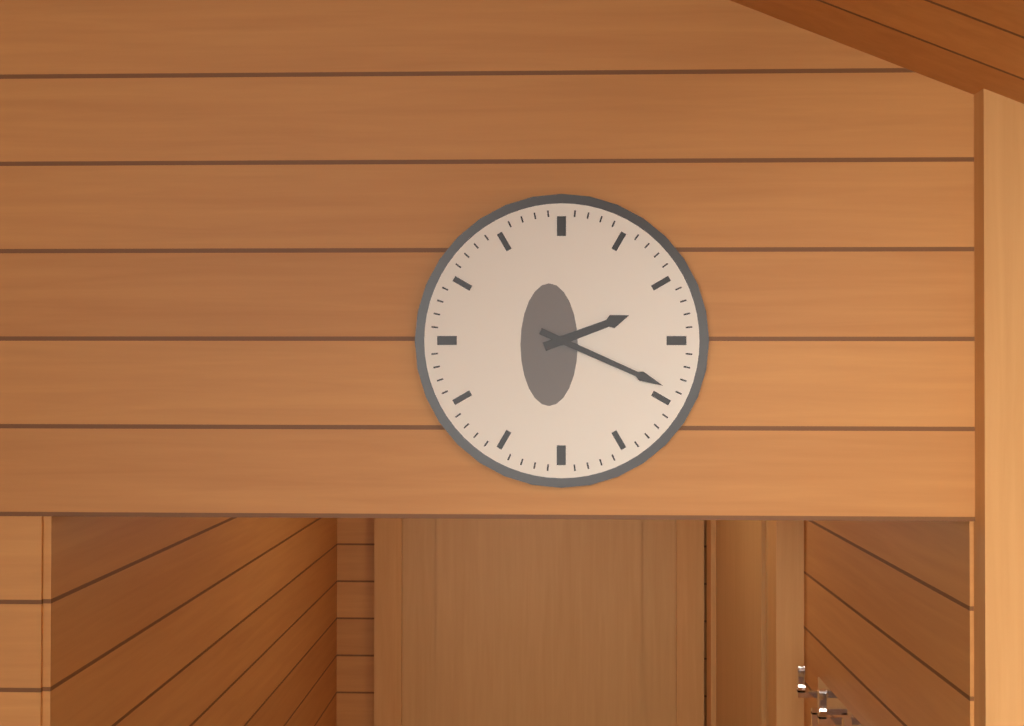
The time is 2,19
